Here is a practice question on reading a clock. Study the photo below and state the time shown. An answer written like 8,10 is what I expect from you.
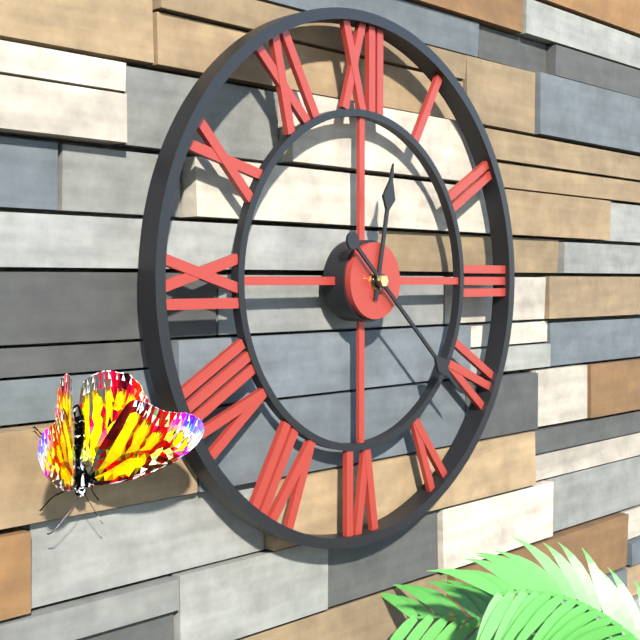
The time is 12,22
